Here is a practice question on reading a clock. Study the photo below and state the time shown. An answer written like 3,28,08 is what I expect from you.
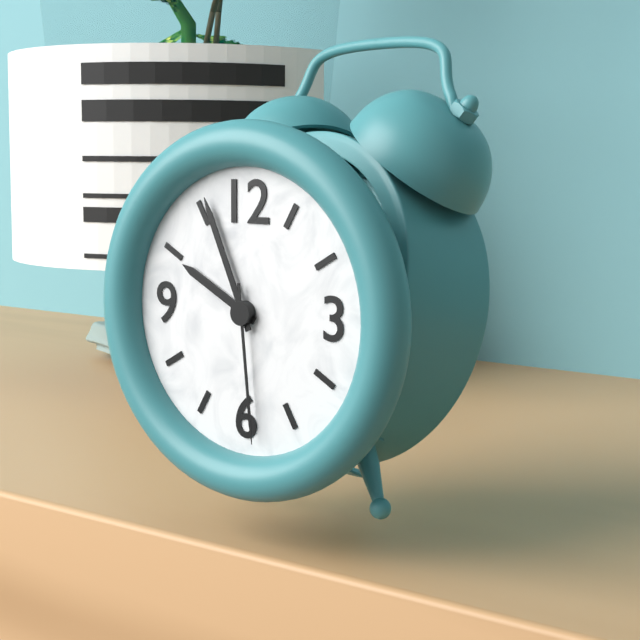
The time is 9,56,29
